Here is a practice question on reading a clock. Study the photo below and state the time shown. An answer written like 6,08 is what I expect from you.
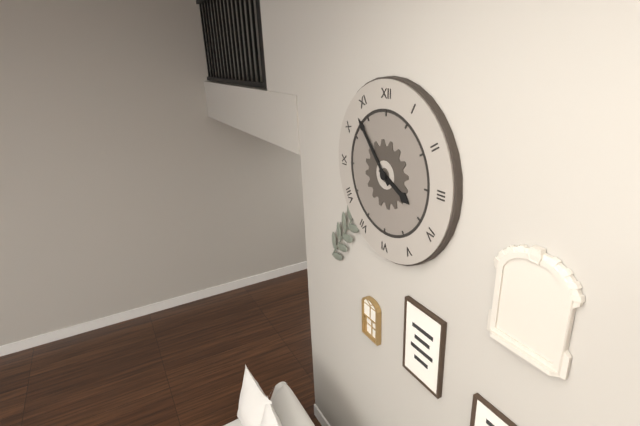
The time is 3,53
